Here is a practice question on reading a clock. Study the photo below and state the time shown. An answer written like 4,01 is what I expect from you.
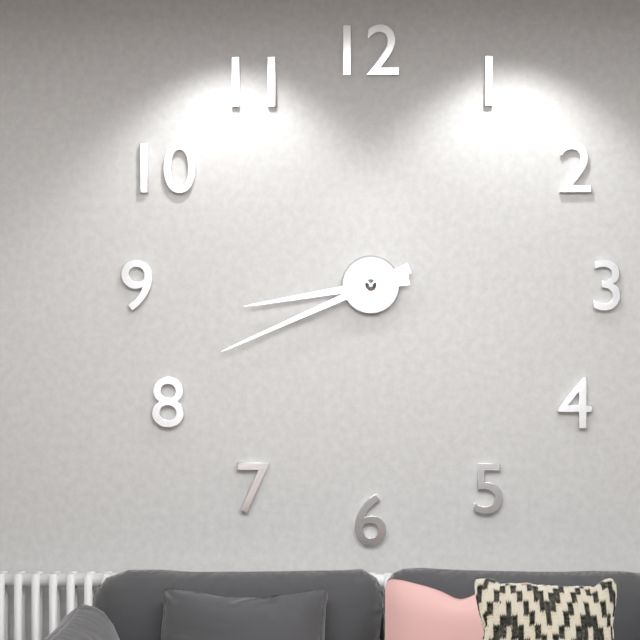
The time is 8,41
